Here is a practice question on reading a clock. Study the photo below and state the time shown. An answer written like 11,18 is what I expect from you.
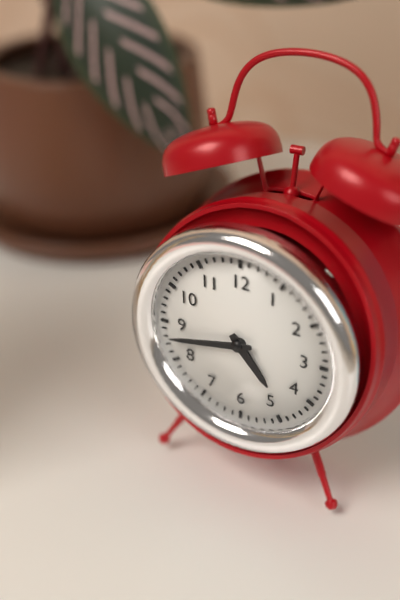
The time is 4,43
